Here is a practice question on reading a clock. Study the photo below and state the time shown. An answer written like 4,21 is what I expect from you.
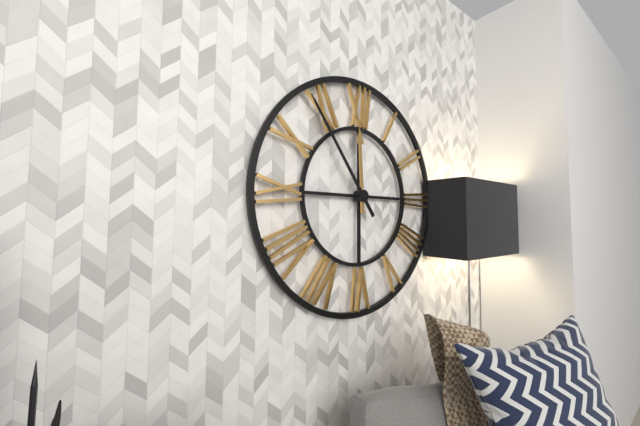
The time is 11,54
